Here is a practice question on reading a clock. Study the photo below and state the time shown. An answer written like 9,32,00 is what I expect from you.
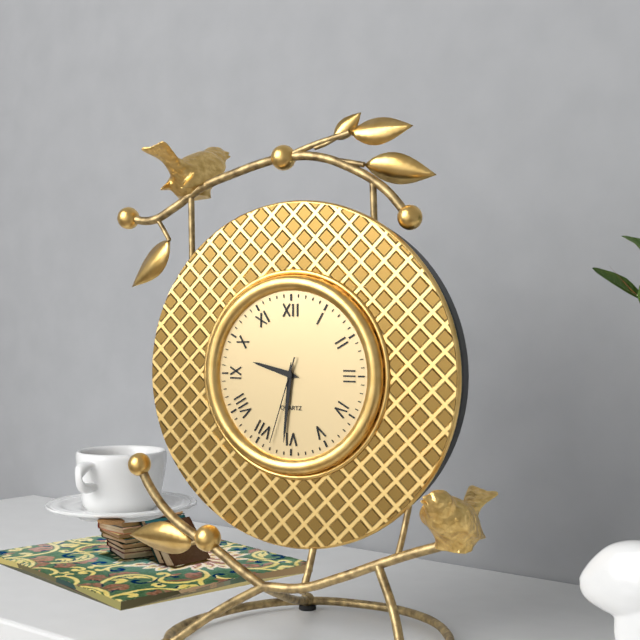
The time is 9,31,33
